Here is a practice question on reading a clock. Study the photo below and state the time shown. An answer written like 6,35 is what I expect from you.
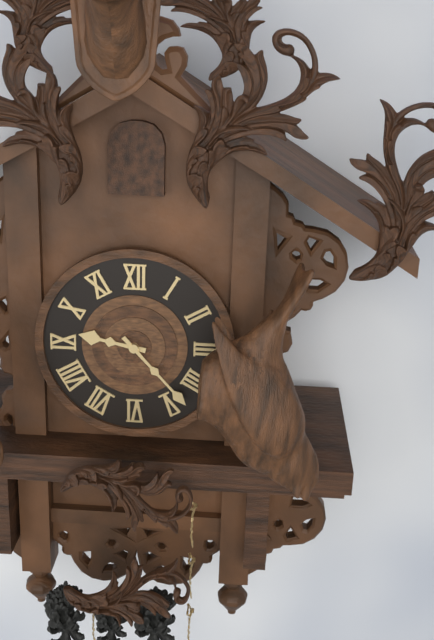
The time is 9,23
